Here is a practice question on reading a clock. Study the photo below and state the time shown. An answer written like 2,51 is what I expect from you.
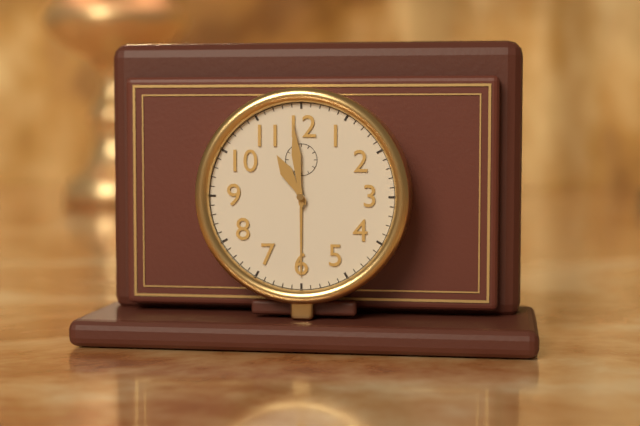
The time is 10,59
